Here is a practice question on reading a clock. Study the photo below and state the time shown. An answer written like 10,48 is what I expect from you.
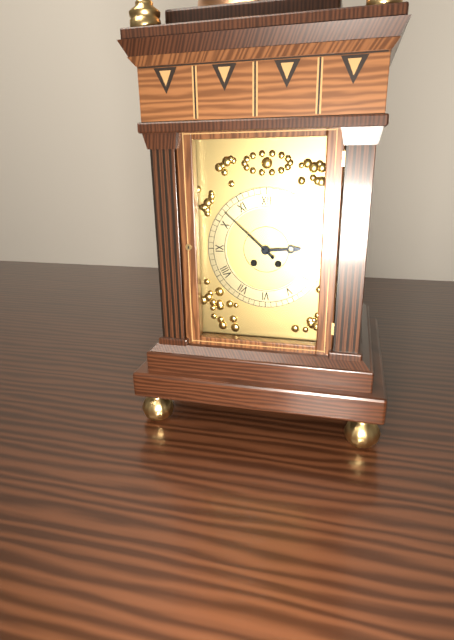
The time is 2,52
